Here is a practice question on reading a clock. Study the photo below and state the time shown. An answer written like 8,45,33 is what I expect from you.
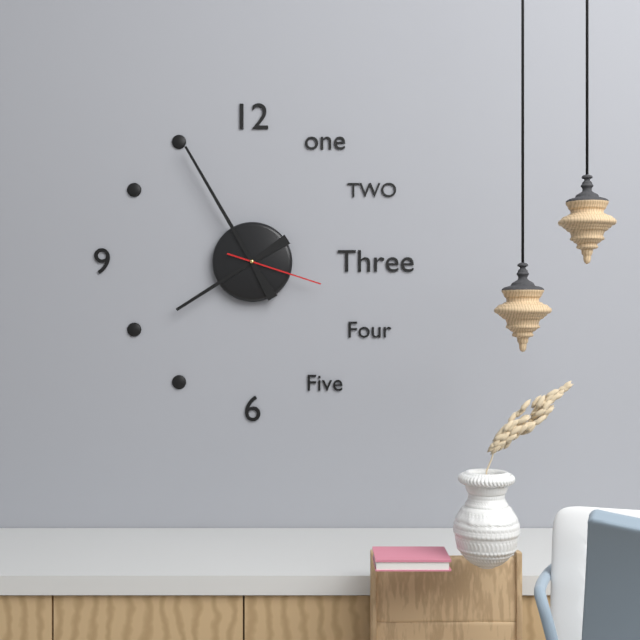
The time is 7,55,18
